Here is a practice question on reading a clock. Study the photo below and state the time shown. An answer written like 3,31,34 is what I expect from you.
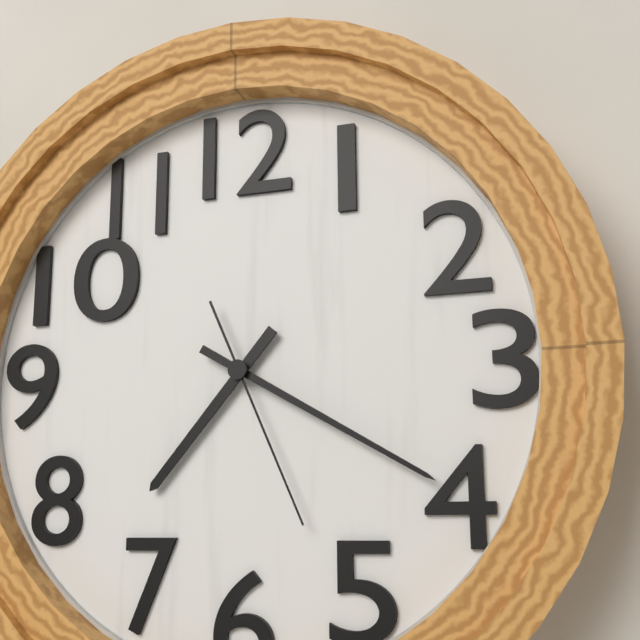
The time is 7,20,26
